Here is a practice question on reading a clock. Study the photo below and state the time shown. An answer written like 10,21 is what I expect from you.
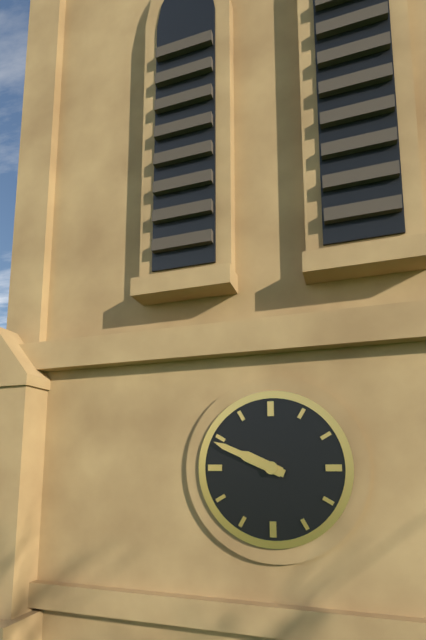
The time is 9,49
